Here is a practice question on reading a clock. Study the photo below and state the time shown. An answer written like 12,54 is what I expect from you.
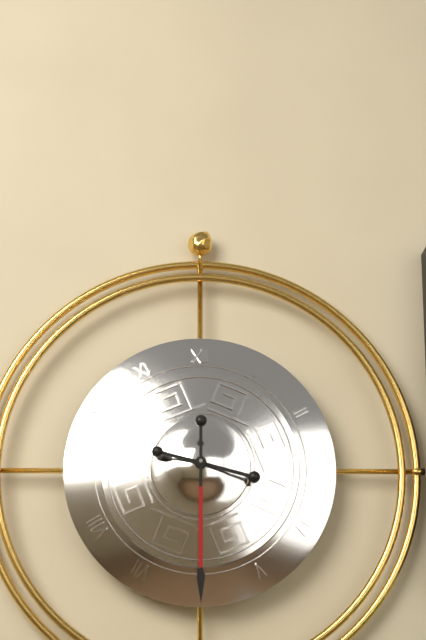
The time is 3,30
